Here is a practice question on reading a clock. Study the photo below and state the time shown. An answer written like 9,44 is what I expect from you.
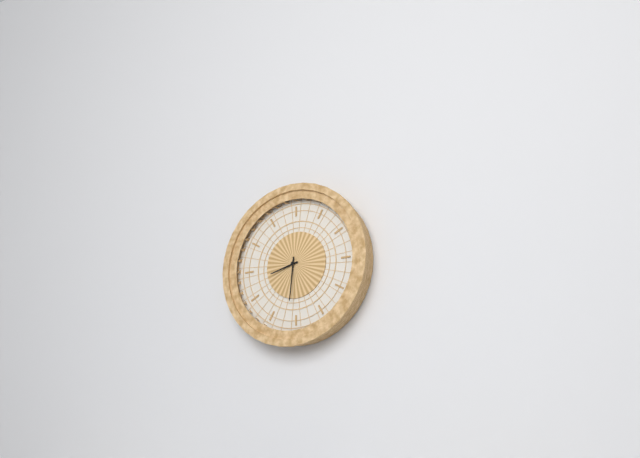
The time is 8,31
